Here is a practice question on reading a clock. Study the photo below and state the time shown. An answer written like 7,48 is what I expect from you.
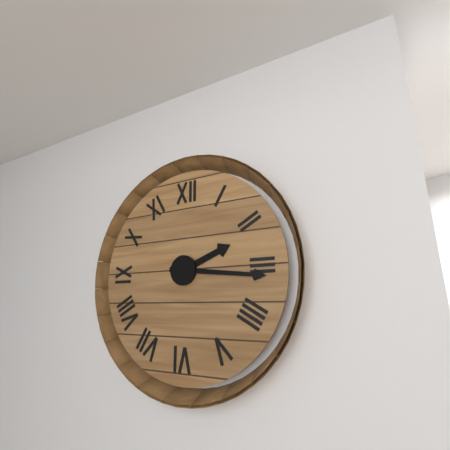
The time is 2,16
